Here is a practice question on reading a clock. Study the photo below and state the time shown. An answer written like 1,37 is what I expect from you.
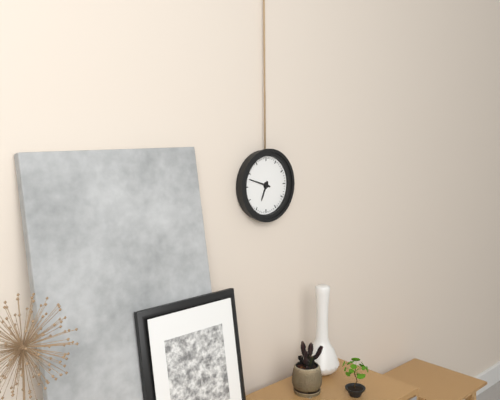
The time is 6,48
